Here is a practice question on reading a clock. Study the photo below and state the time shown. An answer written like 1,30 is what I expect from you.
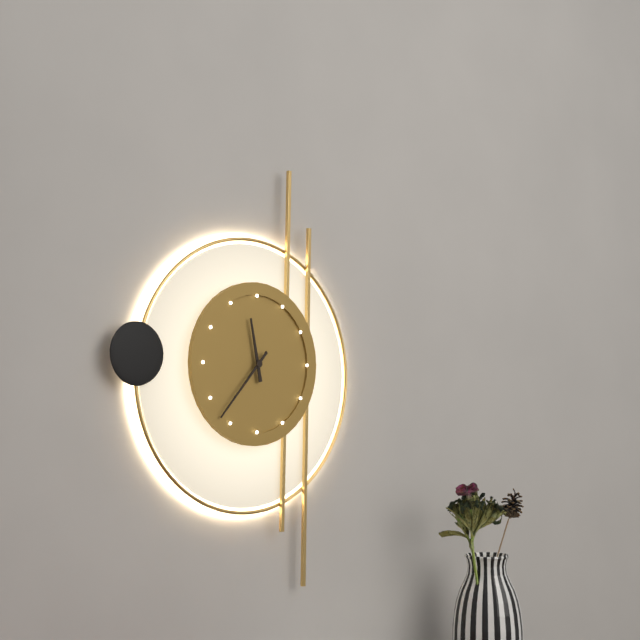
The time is 11,37
